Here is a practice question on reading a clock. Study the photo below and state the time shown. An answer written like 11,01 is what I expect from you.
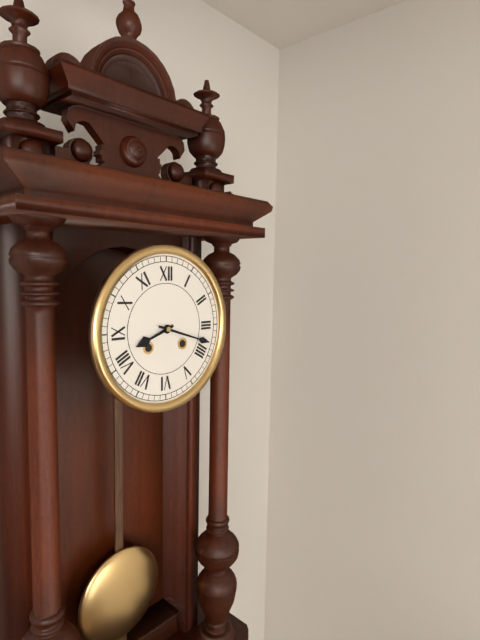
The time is 8,18
